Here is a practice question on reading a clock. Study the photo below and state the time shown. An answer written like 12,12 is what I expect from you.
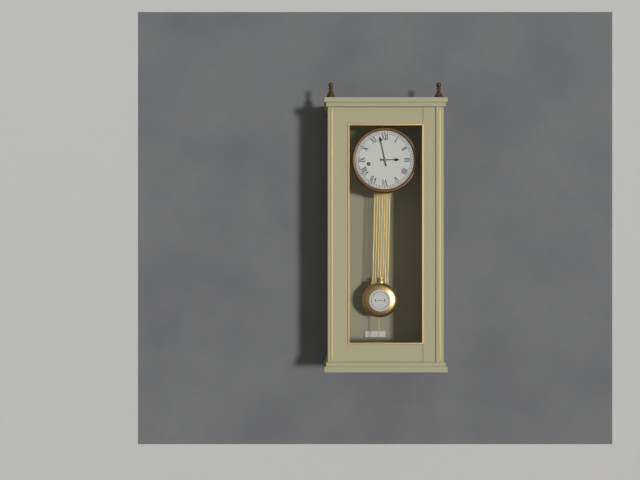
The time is 2,58
